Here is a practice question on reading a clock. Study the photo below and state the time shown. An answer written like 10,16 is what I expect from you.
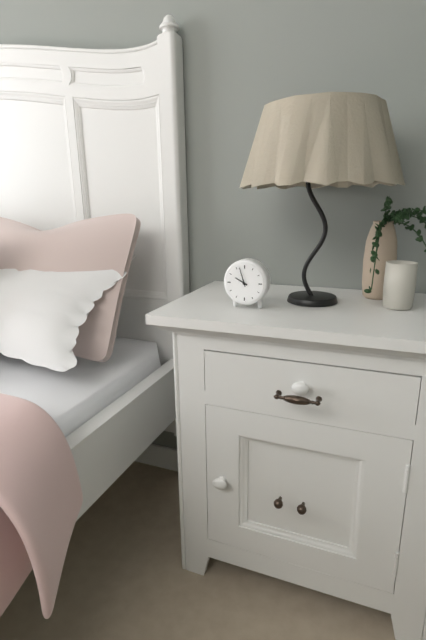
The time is 9,57
